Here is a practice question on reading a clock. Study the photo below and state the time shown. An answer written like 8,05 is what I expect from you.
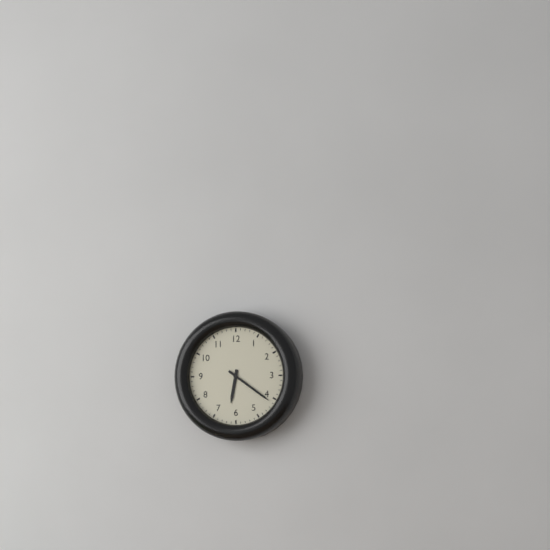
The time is 6,21
